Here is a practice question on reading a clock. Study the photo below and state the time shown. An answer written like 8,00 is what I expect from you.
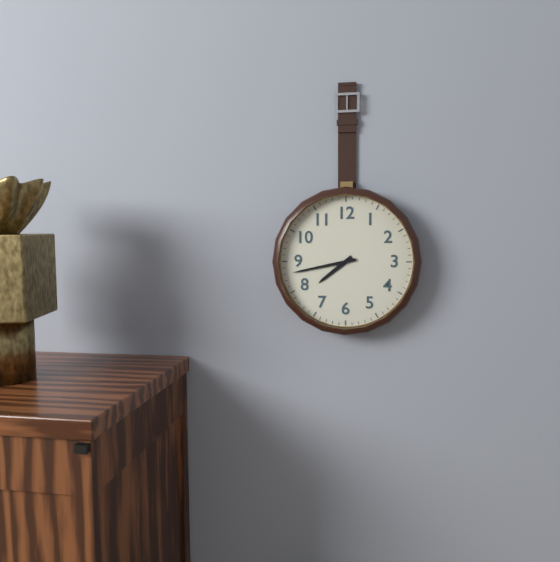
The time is 7,43
